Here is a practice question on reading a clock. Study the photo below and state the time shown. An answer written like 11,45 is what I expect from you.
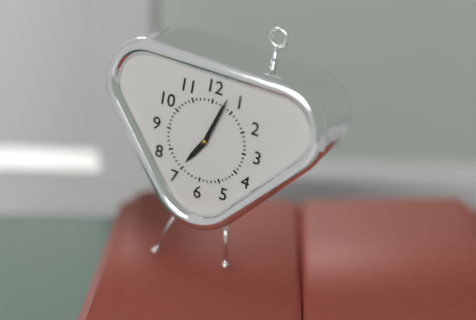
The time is 7,03
